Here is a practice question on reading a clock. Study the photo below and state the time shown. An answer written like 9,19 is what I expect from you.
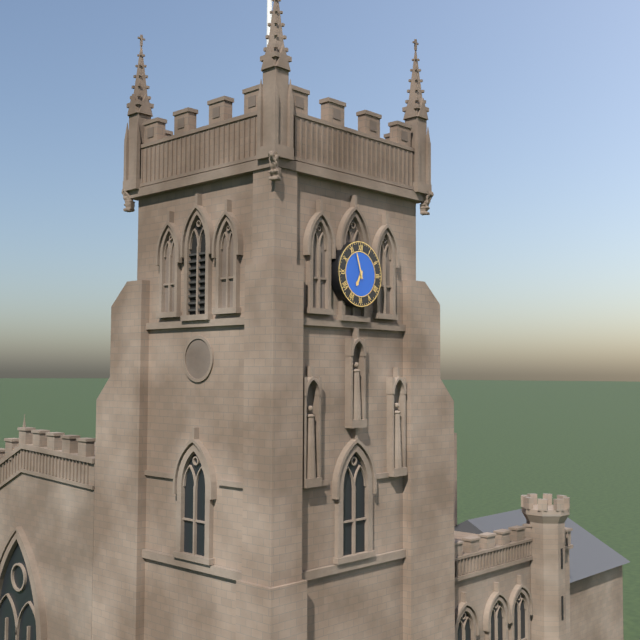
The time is 6,57
